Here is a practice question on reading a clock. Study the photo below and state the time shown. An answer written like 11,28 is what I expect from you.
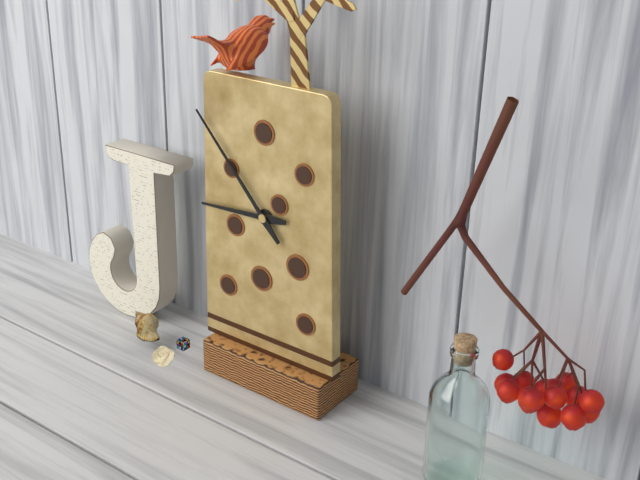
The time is 8,53
